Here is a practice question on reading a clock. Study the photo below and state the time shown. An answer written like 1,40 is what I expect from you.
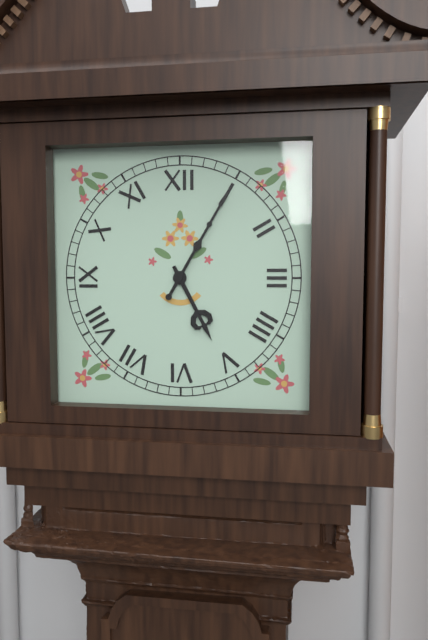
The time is 5,05
